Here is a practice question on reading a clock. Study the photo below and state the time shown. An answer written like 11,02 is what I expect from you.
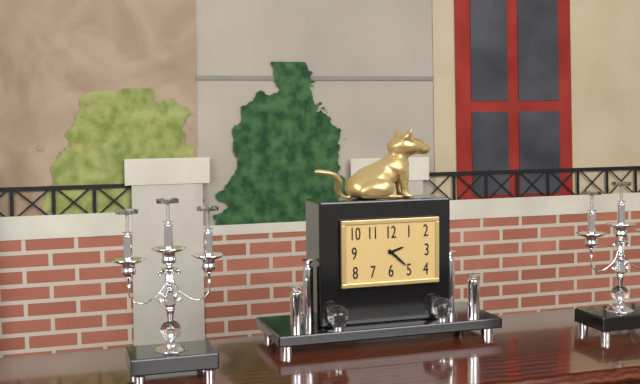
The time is 2,22
